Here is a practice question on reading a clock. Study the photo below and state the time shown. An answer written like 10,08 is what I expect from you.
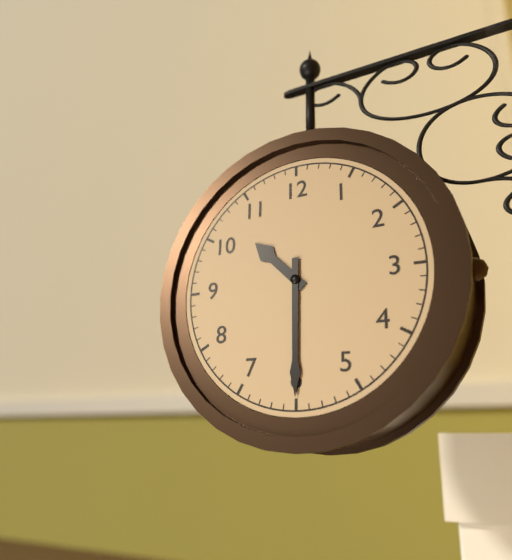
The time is 10,30
